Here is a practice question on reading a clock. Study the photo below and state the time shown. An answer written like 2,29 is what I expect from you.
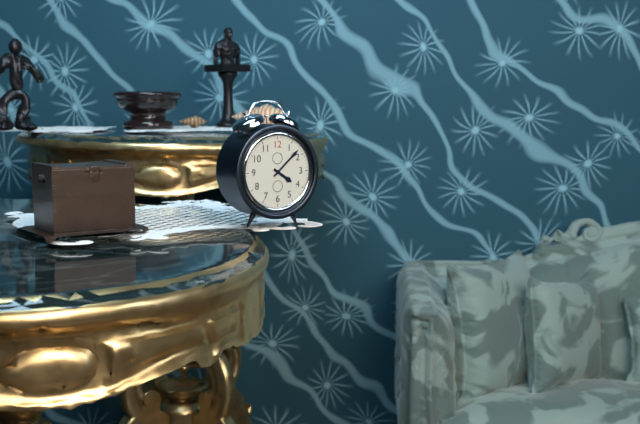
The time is 4,08
